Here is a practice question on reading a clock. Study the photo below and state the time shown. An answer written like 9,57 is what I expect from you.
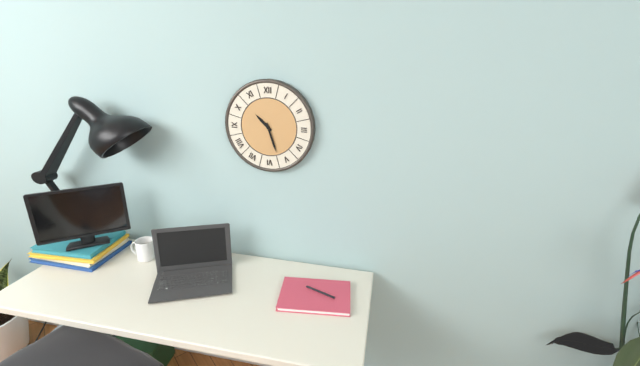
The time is 10,27
